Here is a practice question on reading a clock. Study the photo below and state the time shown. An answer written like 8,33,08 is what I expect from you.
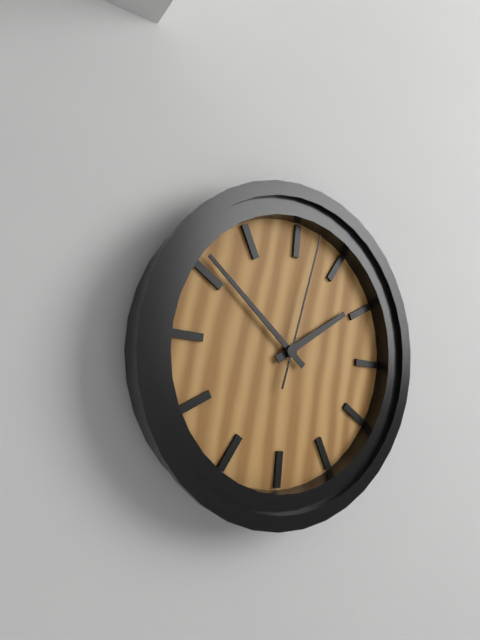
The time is 1,51,02
